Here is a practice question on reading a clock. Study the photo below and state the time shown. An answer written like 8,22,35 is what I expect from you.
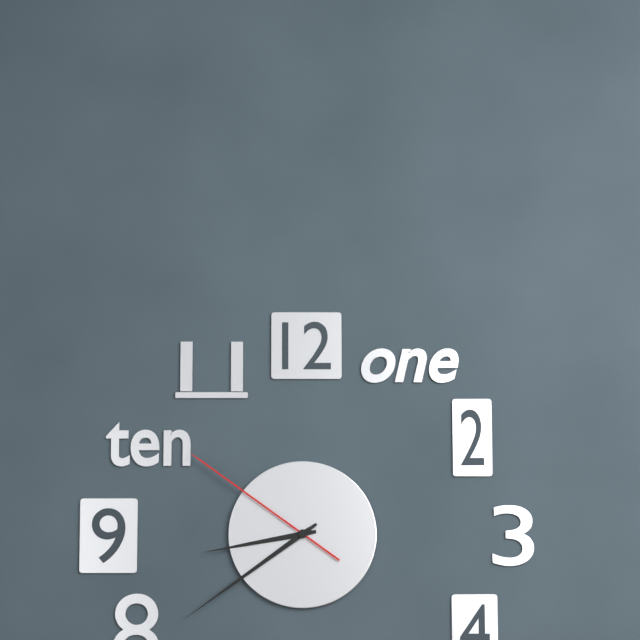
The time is 8,39,51
